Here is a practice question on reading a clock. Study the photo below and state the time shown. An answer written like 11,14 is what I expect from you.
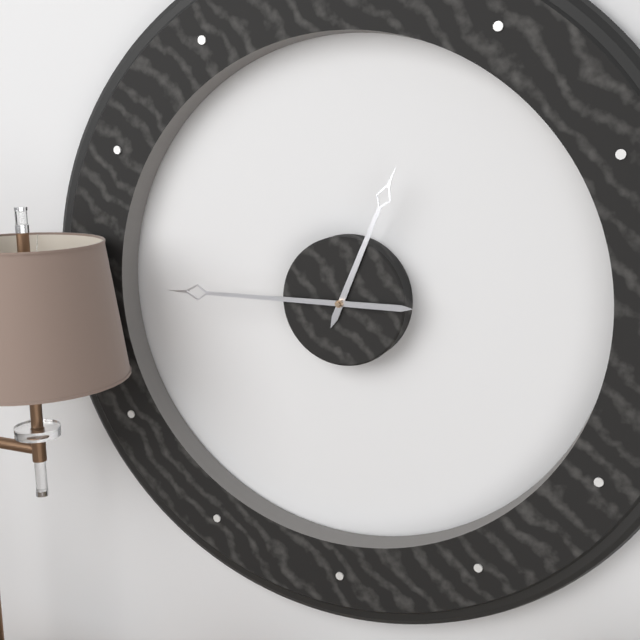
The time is 12,45
